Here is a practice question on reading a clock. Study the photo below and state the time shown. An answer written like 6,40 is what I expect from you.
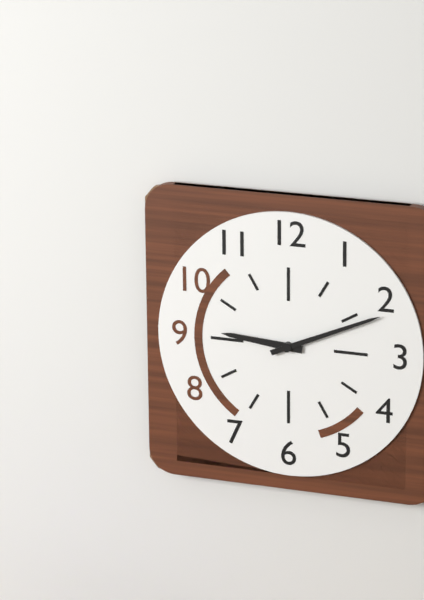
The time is 9,11
